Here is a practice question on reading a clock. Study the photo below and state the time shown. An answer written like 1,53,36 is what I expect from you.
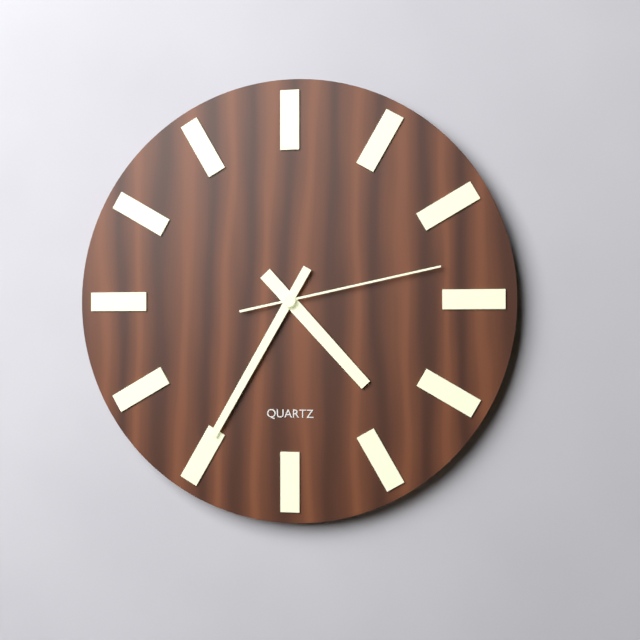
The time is 4,35,13
